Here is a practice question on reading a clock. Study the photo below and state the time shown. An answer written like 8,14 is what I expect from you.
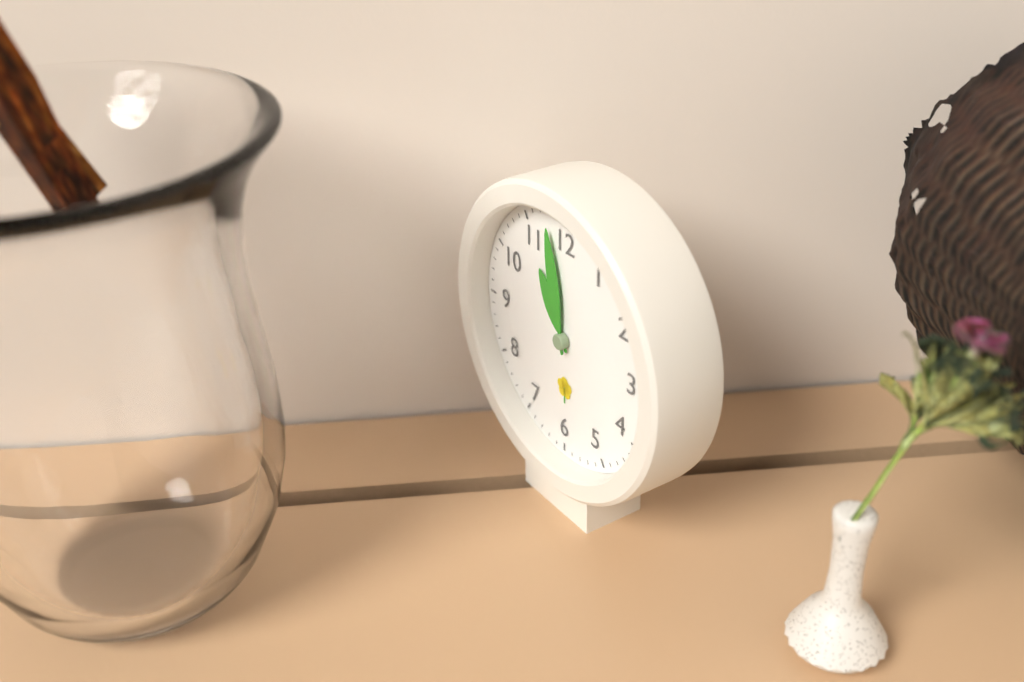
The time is 10,58
